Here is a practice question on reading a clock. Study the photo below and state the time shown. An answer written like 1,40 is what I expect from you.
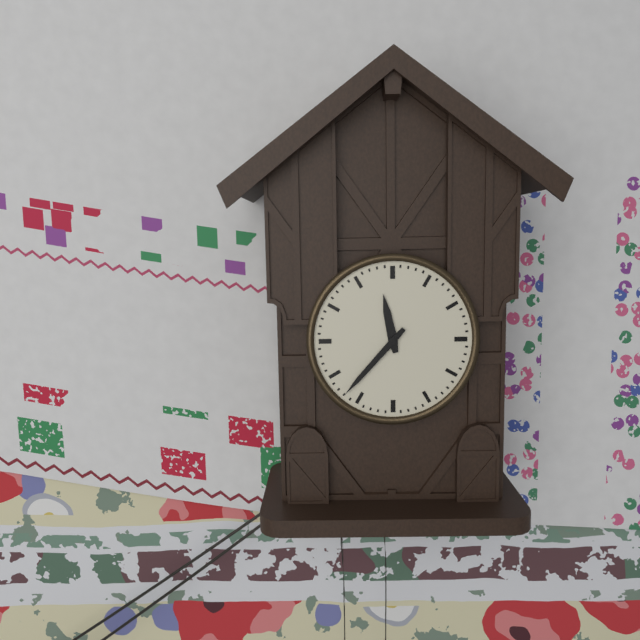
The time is 11,37
